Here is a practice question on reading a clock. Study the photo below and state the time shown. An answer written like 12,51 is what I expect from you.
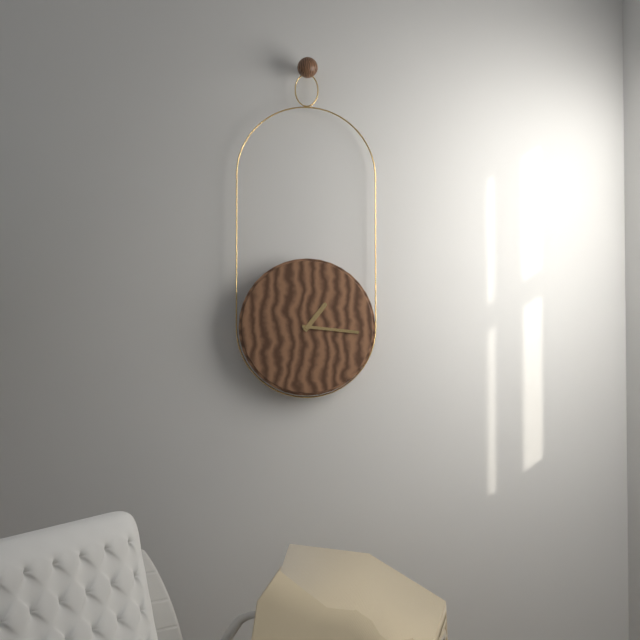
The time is 1,16
